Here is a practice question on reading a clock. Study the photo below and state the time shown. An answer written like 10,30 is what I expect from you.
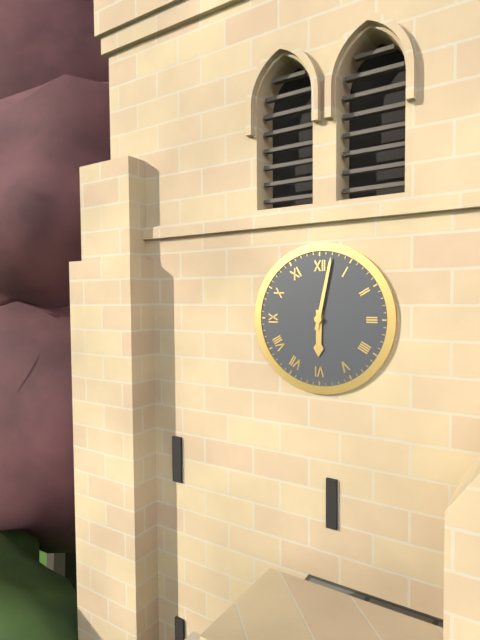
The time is 6,02
